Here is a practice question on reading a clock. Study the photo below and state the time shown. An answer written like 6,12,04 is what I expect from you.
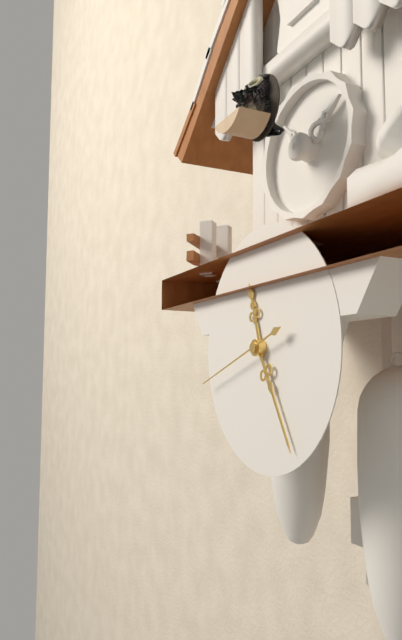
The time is 11,25,42
